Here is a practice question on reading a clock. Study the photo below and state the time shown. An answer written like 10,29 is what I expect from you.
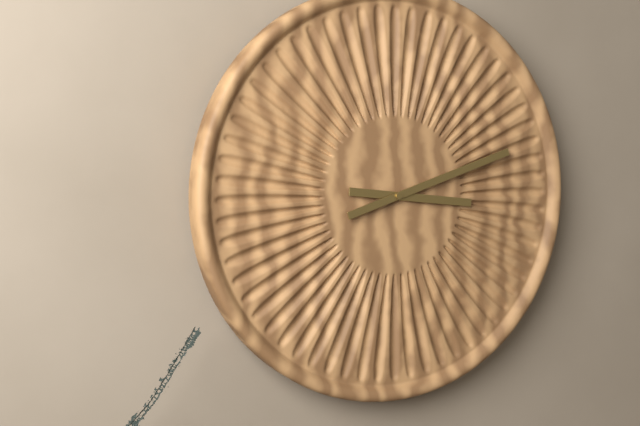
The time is 3,12
